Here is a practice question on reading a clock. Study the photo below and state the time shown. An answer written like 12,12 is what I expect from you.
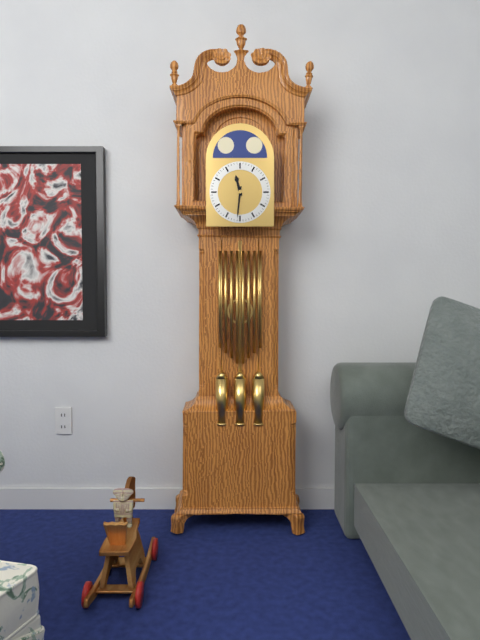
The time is 11,31
